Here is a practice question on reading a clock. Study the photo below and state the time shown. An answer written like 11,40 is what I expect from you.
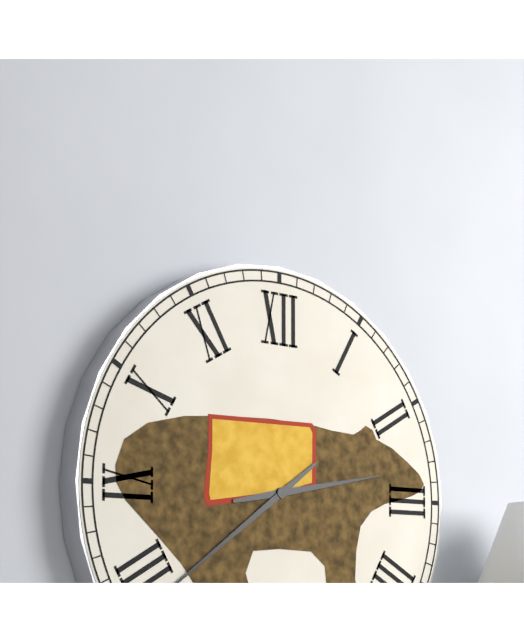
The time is 2,39
